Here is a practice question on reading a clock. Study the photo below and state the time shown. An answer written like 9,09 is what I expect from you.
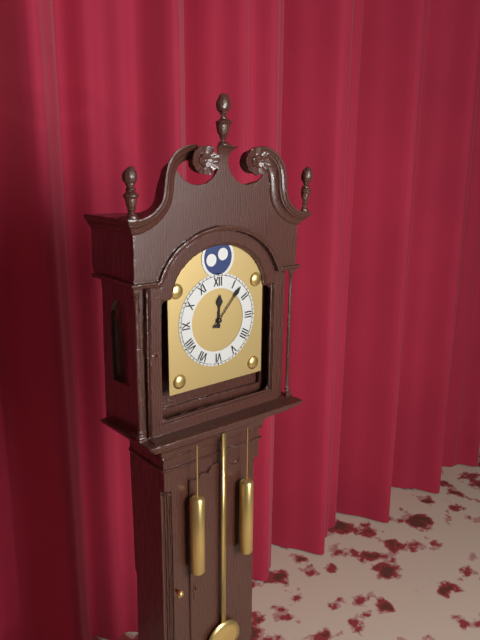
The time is 12,07
